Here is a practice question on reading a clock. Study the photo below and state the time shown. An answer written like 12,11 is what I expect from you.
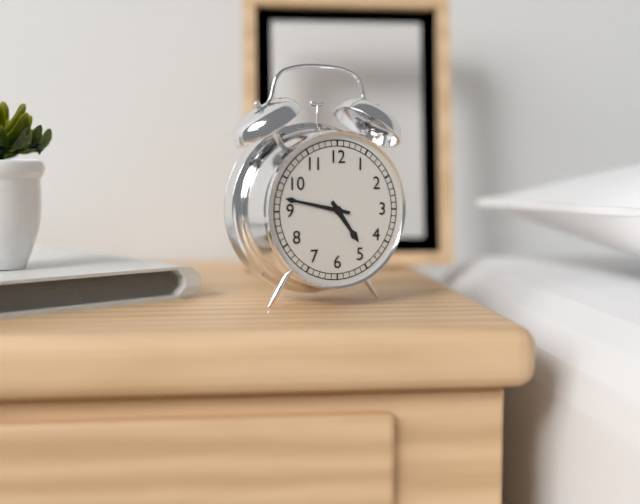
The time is 4,47
